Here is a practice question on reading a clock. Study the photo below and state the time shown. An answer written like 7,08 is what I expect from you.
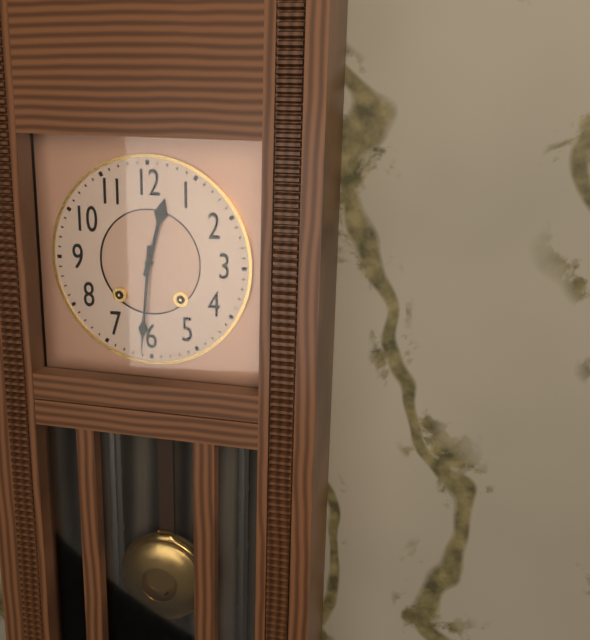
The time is 12,31
